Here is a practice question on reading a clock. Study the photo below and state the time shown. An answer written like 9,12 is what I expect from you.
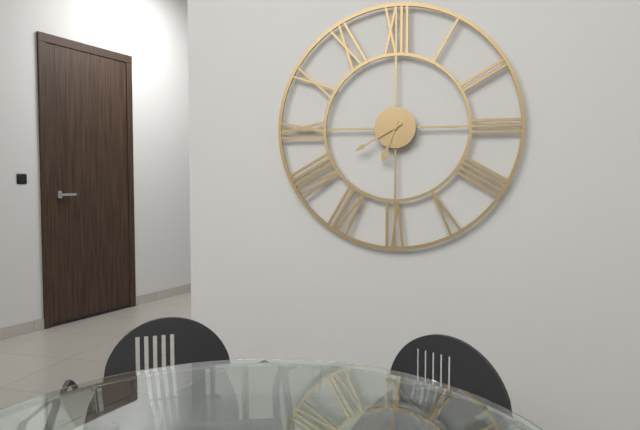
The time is 6,40
